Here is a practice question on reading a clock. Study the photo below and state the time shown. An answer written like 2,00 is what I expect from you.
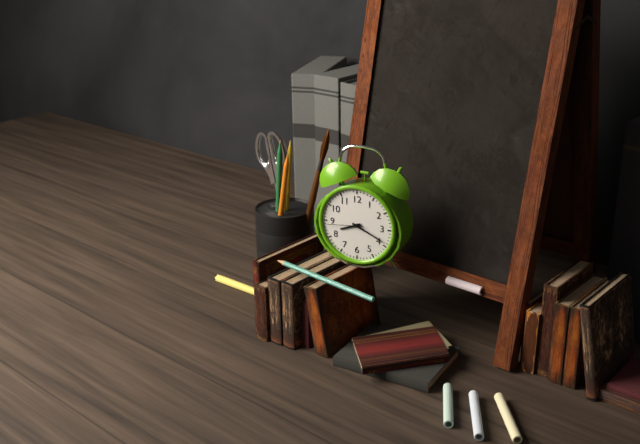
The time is 8,19
